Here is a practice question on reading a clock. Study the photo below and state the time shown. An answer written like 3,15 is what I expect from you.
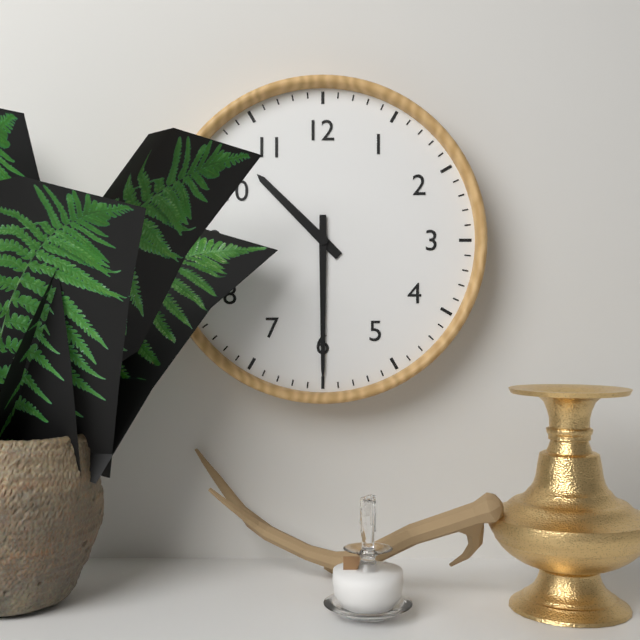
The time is 10,30
